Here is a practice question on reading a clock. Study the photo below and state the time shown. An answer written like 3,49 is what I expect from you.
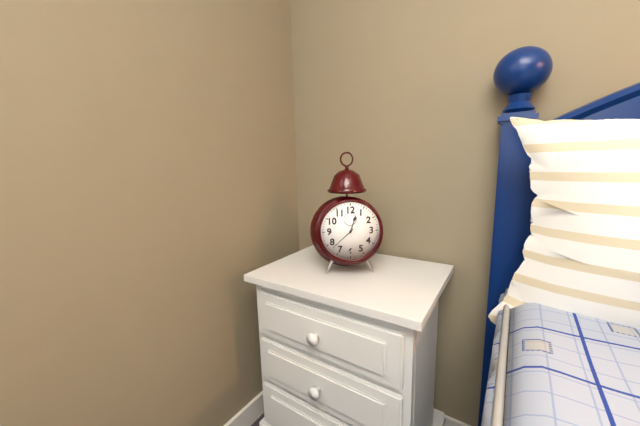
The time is 12,38
